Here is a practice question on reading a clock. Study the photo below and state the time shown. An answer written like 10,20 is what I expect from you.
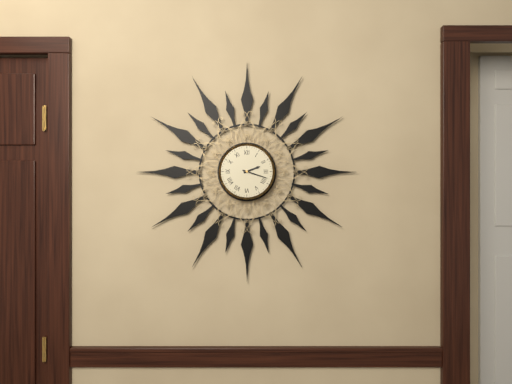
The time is 2,18
